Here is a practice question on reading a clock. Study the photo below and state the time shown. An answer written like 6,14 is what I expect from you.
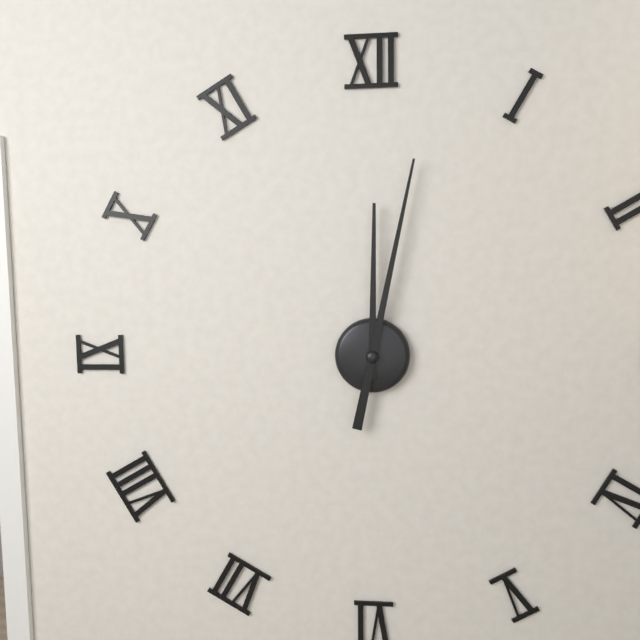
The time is 12,02
